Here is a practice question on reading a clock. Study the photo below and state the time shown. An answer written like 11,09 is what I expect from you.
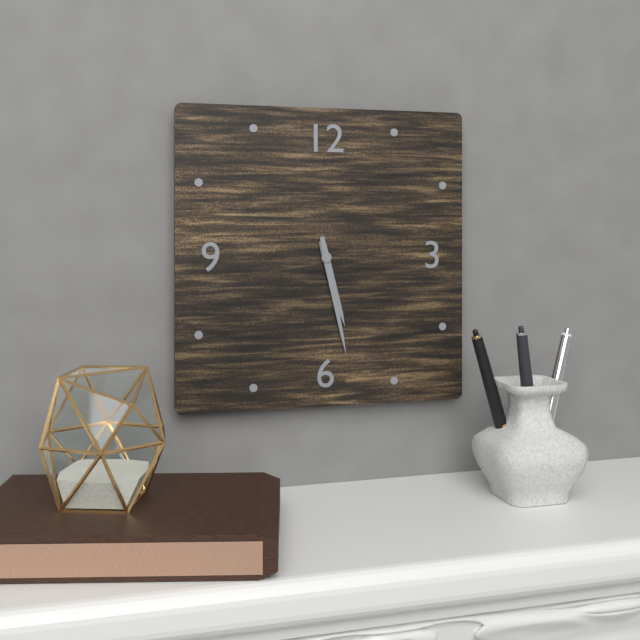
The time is 5,28
